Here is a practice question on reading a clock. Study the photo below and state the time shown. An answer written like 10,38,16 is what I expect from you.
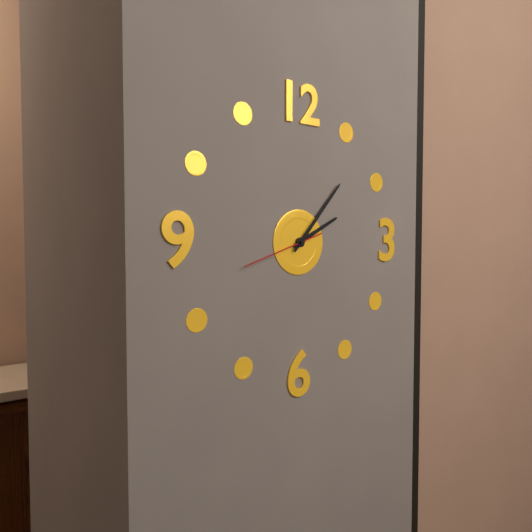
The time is 2,07,42
